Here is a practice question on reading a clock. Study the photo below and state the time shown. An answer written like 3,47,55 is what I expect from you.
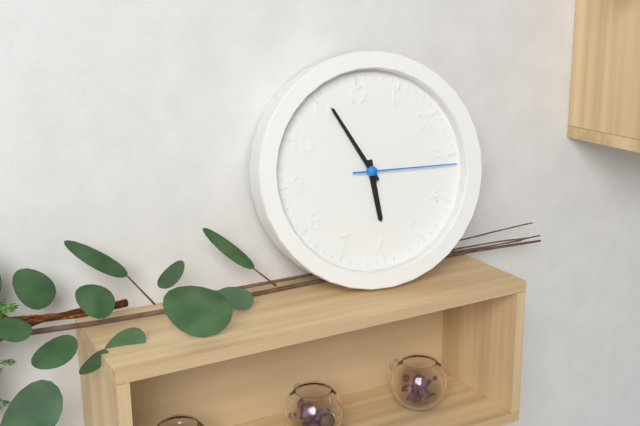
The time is 5,56,16
